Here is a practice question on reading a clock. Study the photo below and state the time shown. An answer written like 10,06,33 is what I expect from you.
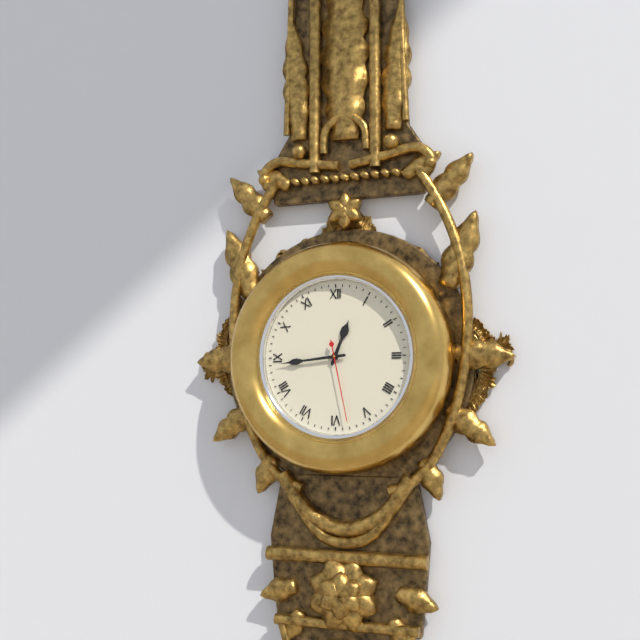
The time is 12,44,28
